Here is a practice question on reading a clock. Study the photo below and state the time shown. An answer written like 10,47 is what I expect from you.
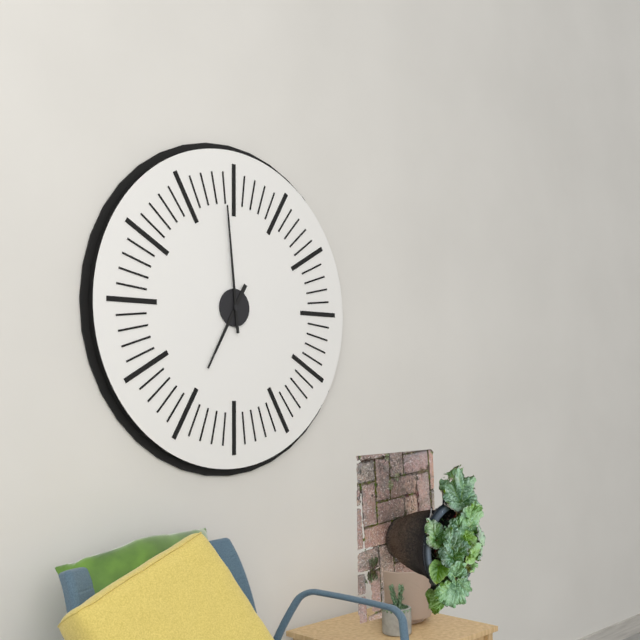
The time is 6,59
